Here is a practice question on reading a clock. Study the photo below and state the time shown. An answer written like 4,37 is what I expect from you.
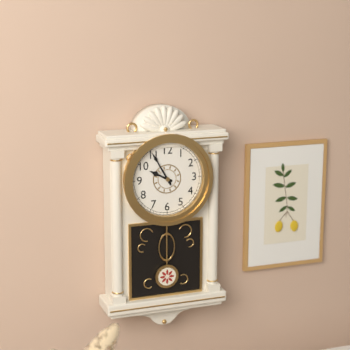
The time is 9,55
